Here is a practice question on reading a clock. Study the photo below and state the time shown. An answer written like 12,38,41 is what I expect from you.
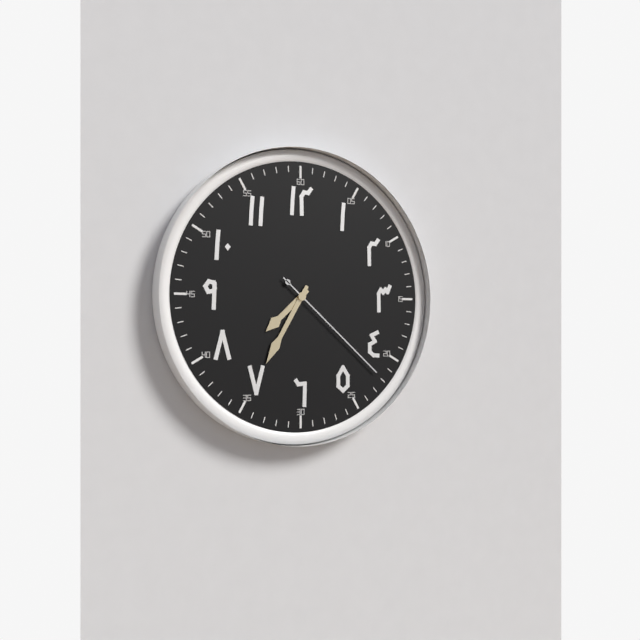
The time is 7,35,22
